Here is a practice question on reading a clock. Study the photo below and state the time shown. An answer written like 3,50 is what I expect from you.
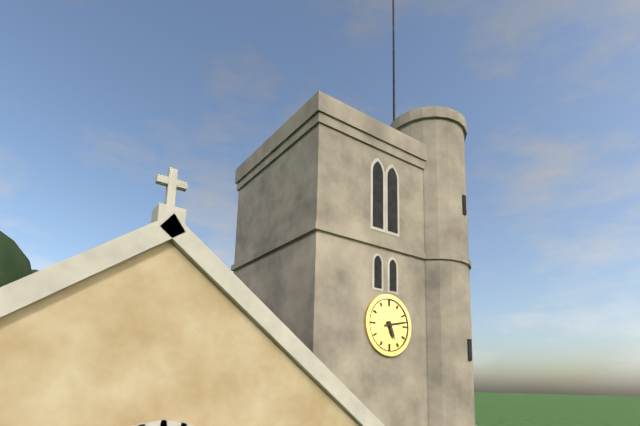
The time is 5,13
